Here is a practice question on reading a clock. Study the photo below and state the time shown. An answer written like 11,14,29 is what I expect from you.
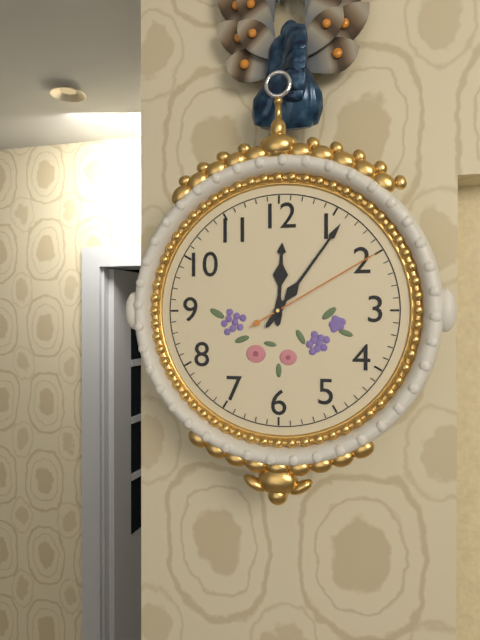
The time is 12,06,10
